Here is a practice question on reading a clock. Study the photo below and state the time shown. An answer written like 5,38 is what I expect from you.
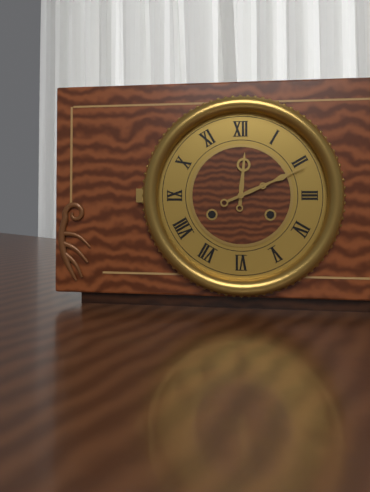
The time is 12,11
